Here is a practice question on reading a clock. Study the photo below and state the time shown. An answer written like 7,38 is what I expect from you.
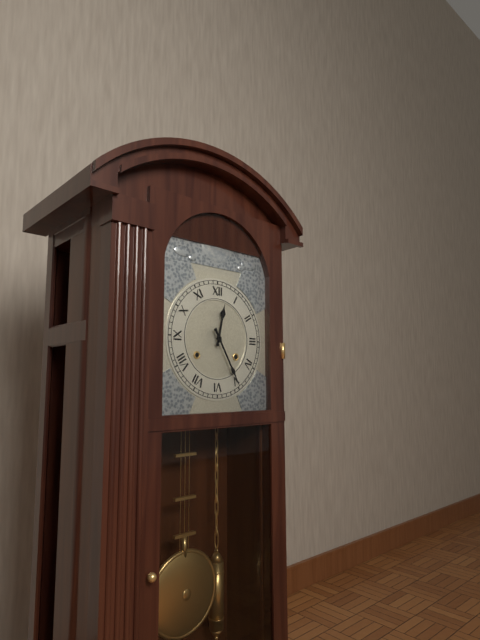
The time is 12,25
